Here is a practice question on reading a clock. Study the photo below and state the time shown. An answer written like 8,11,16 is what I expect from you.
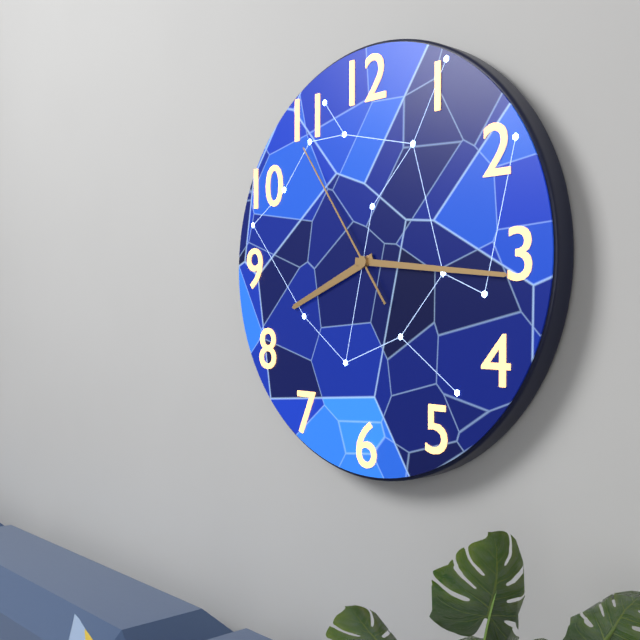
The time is 8,16,54
